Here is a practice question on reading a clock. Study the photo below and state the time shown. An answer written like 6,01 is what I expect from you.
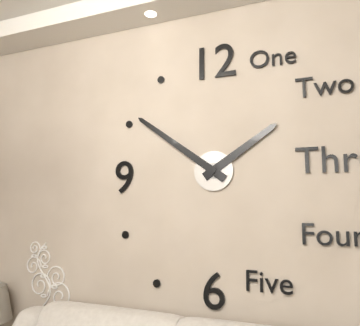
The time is 1,51
